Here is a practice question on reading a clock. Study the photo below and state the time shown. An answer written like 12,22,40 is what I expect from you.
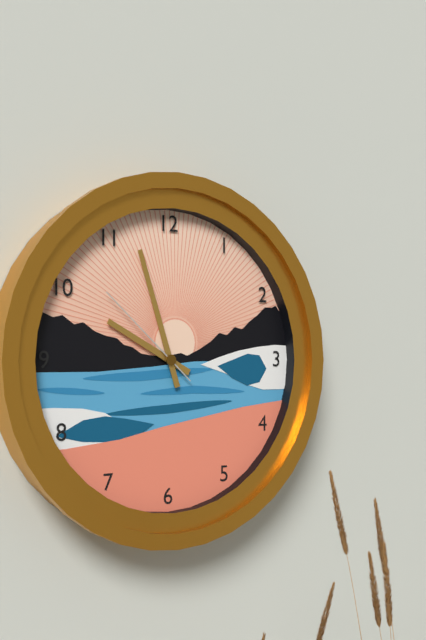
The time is 9,57,52
